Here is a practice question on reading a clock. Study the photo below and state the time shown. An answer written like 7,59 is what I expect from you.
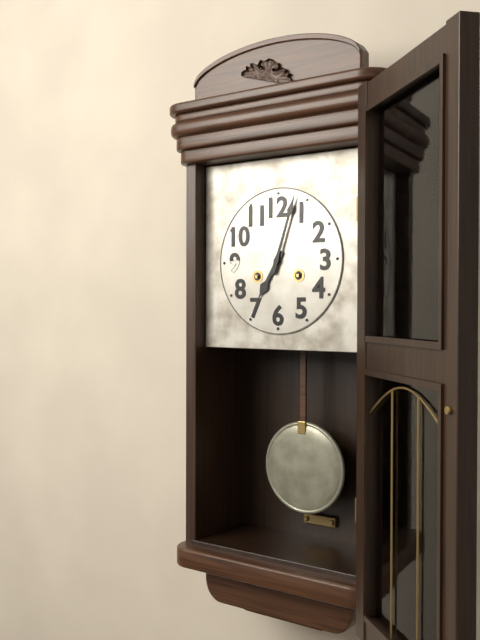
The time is 7,03
